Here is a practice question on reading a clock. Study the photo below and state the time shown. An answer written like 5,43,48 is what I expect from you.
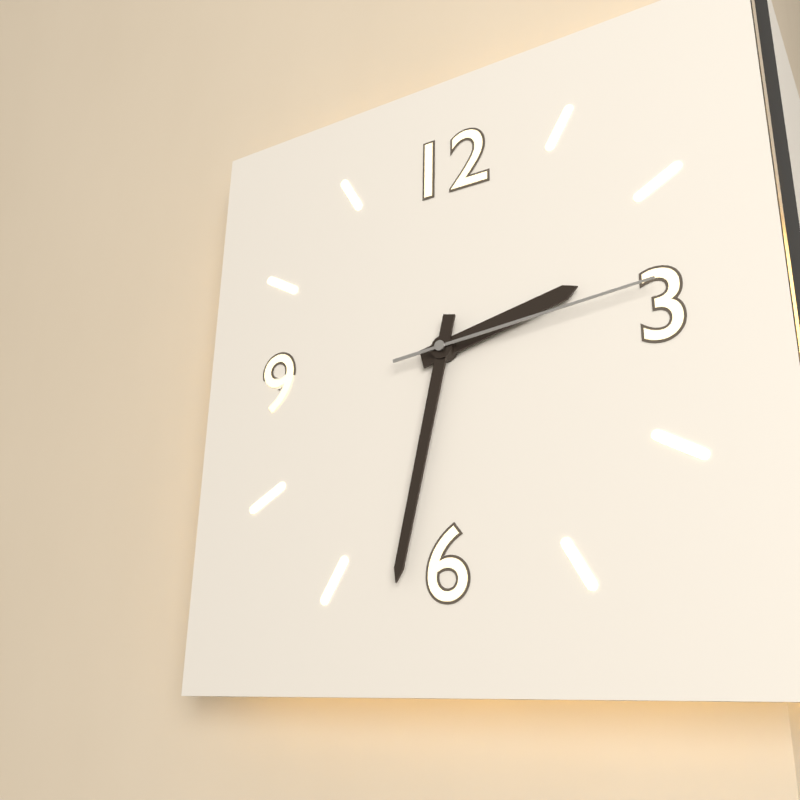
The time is 2,32,14
